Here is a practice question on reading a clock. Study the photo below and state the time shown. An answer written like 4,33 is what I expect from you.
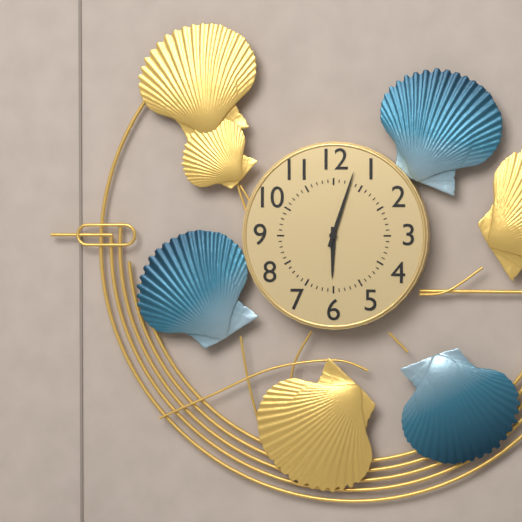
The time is 6,03
